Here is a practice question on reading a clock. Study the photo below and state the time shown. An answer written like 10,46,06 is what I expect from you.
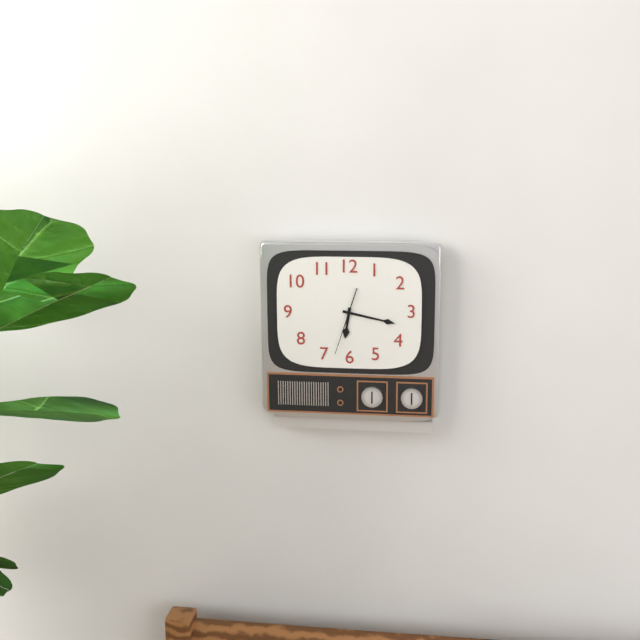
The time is 6,17,33
